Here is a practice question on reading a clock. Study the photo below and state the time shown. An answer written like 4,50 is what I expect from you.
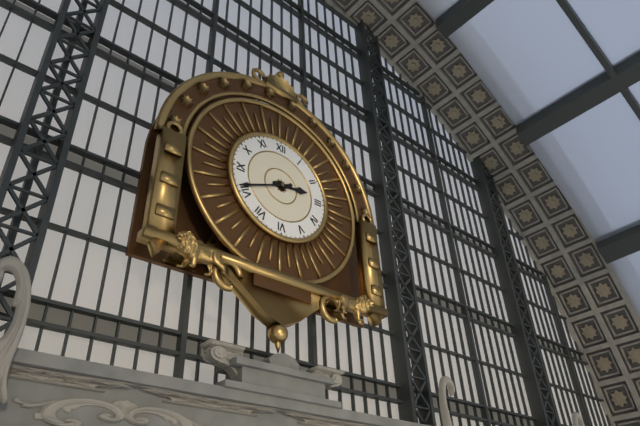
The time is 2,41
